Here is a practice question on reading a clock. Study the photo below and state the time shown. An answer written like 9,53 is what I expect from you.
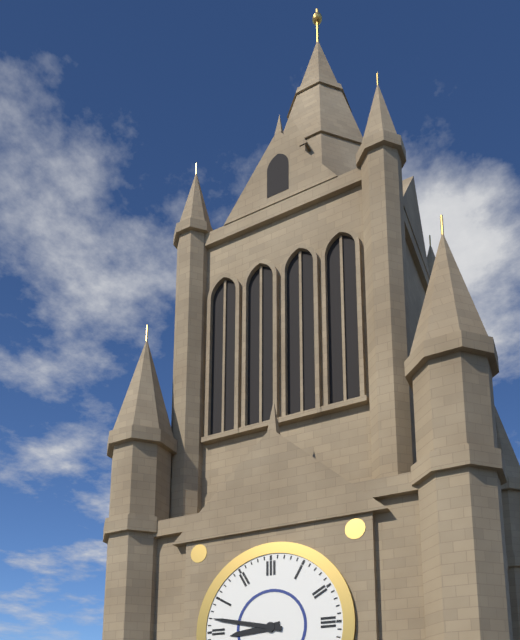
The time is 8,47
